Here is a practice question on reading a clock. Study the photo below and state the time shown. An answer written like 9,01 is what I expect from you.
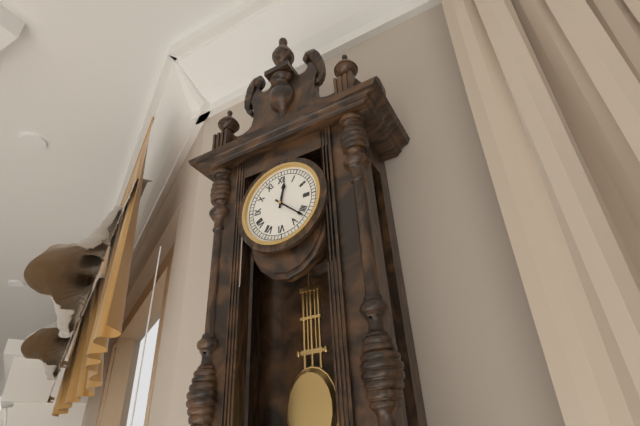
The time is 12,22
